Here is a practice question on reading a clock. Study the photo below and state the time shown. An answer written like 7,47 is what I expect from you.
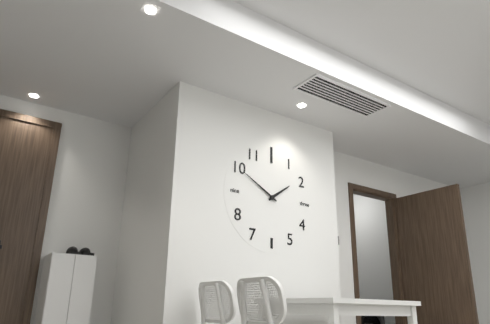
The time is 1,50
